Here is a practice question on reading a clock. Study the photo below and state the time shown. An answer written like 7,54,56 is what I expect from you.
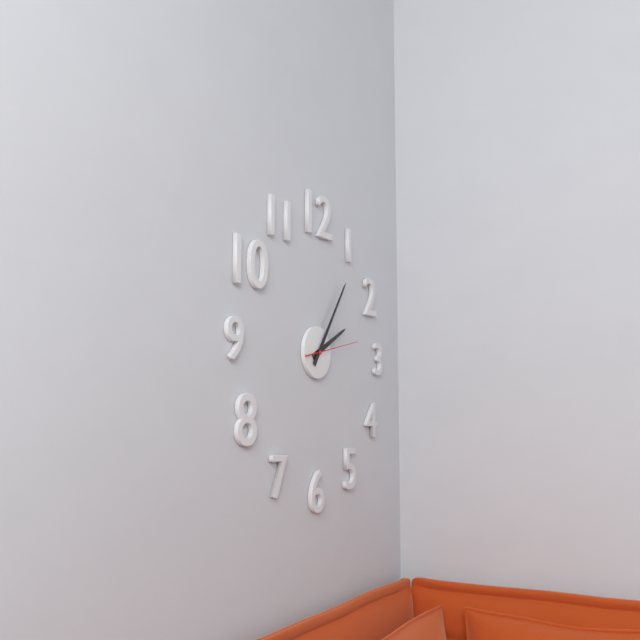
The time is 2,06,13
